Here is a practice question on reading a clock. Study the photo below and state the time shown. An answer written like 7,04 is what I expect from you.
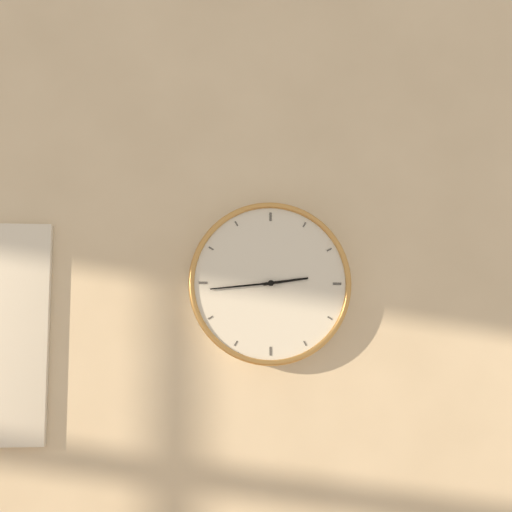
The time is 2,44
